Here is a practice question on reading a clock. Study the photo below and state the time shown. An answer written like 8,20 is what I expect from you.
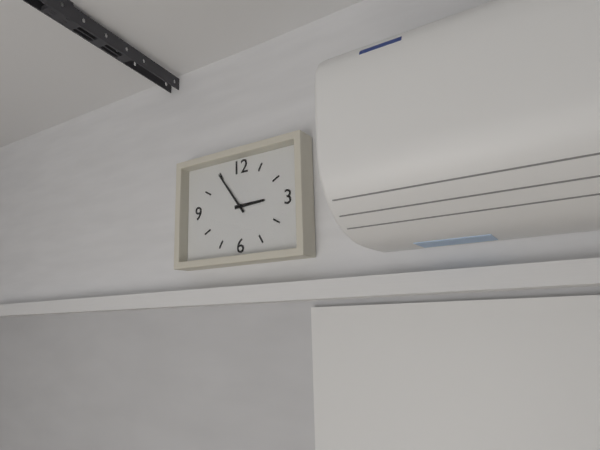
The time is 2,54
